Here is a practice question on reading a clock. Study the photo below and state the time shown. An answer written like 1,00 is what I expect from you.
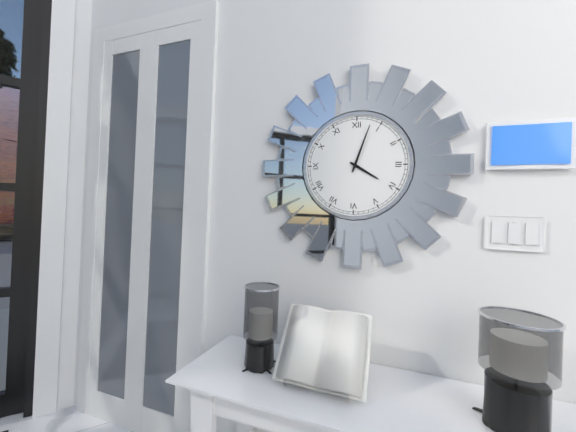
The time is 4,03
